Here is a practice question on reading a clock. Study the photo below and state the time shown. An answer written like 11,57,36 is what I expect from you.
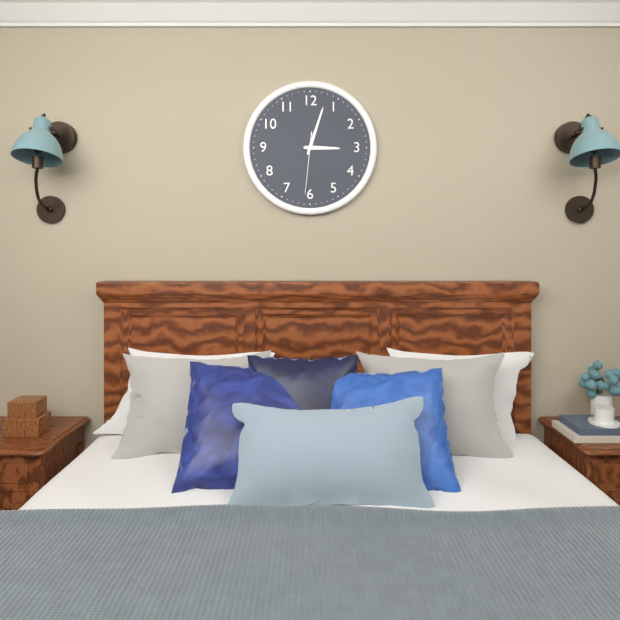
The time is 3,03,31
